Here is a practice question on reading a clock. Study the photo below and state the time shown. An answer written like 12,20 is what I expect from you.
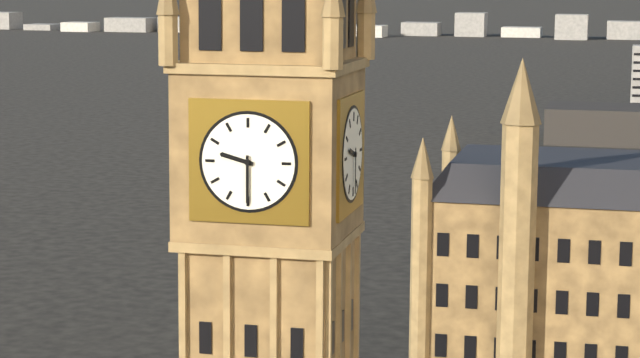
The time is 9,30
